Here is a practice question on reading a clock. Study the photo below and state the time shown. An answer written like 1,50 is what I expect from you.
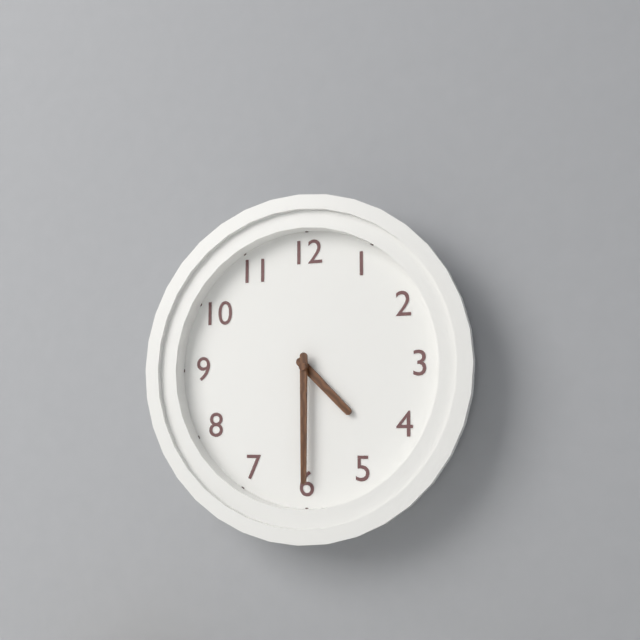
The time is 4,30
